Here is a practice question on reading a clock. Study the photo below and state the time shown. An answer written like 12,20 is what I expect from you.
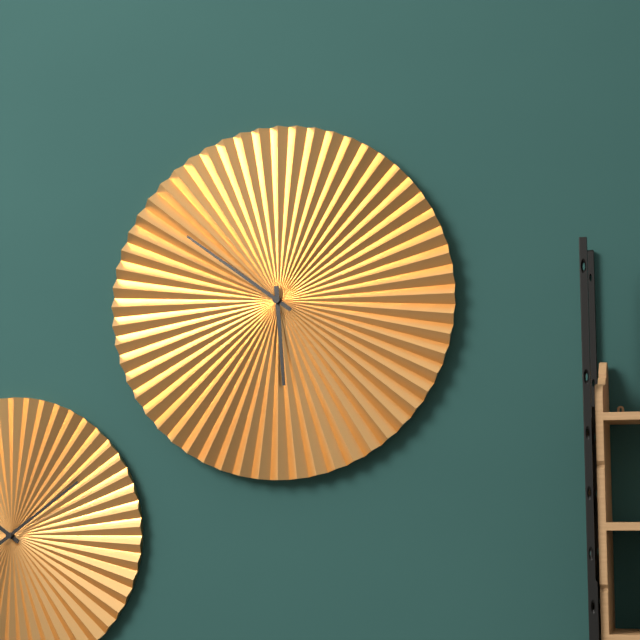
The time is 5,51
